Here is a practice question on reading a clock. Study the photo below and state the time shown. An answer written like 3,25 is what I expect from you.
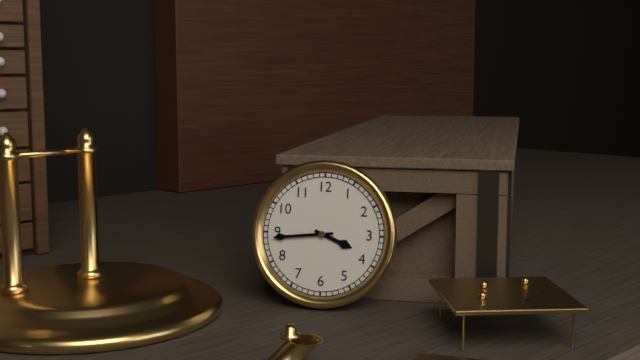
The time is 3,44
